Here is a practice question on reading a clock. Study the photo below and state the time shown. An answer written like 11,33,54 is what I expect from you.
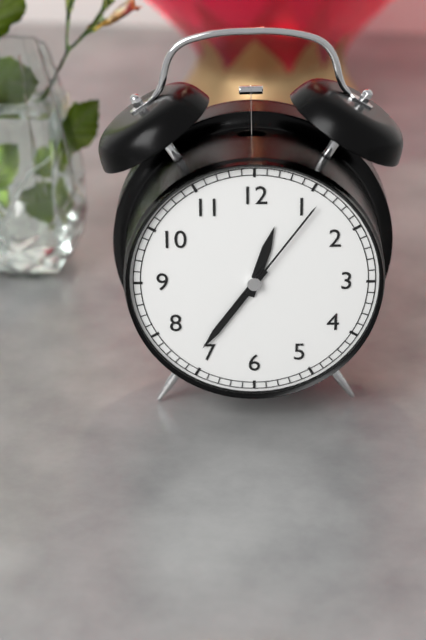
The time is 12,36,06
